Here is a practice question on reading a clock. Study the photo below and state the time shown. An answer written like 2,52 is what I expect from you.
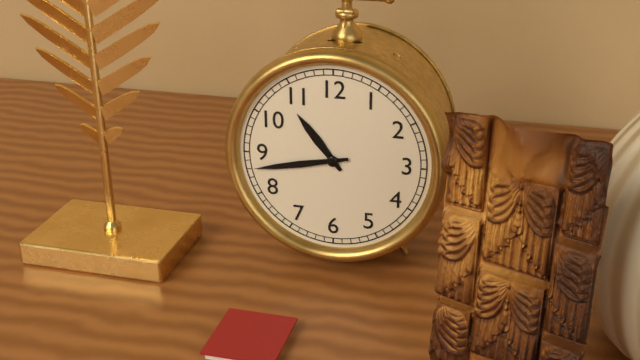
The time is 10,43
